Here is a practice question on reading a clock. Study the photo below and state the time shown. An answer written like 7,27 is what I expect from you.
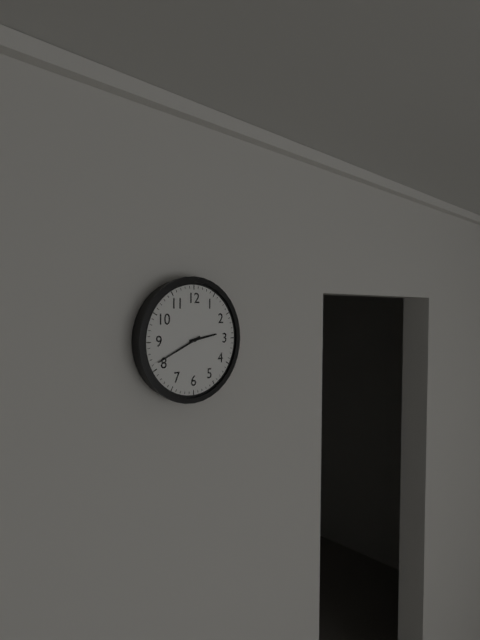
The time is 2,41
